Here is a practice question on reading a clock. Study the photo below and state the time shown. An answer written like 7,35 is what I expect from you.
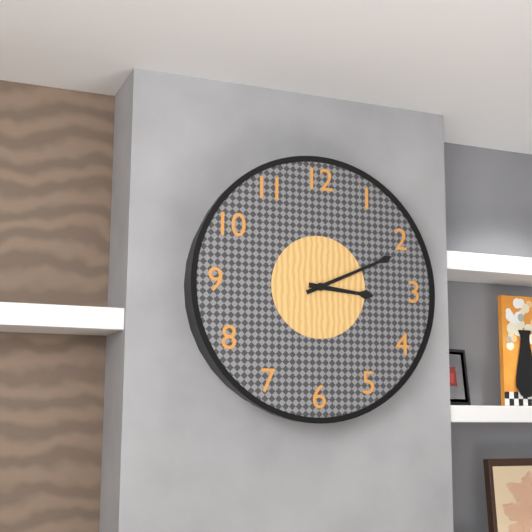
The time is 3,11
